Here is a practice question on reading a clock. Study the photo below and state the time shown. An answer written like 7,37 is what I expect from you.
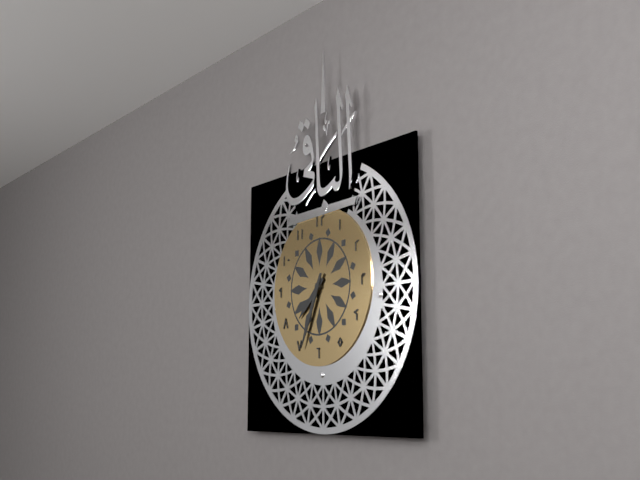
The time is 7,34
